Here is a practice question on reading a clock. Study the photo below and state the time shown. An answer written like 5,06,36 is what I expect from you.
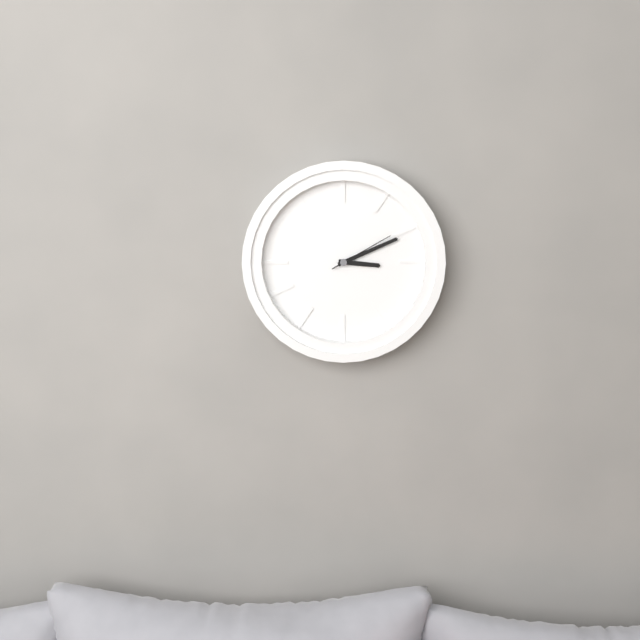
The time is 3,11,10
